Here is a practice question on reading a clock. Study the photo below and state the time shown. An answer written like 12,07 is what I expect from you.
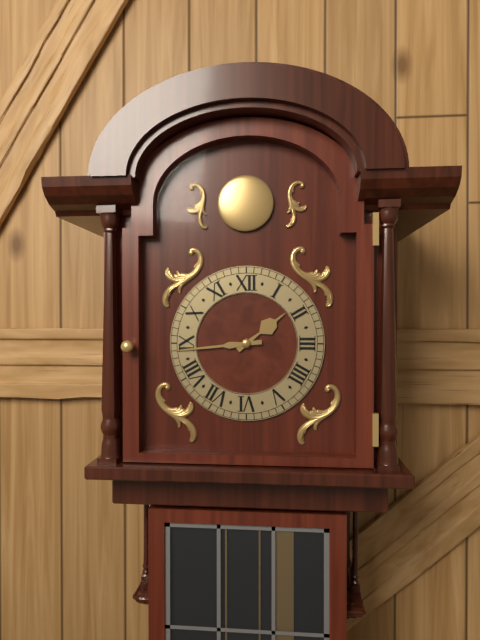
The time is 1,44
